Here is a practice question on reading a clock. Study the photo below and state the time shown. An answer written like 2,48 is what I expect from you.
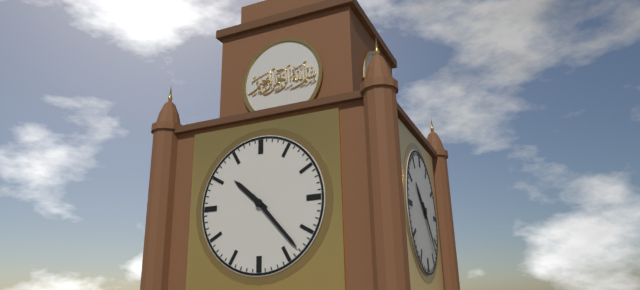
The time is 10,23
